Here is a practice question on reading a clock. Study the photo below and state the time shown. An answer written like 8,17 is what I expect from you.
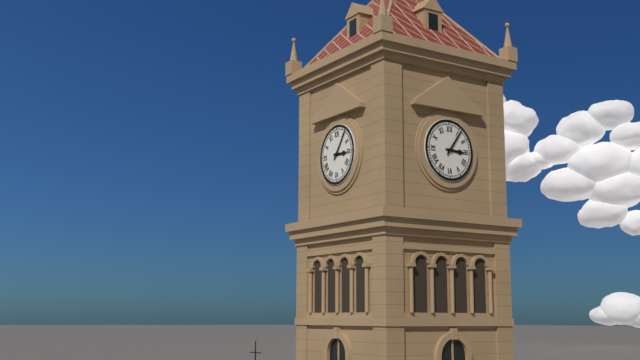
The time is 3,06
